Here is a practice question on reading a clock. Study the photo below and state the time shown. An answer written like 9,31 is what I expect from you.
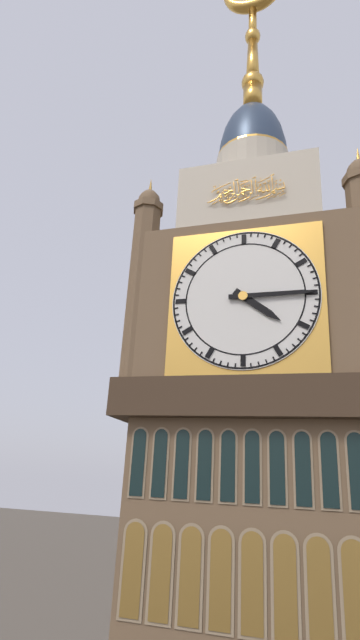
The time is 4,15
